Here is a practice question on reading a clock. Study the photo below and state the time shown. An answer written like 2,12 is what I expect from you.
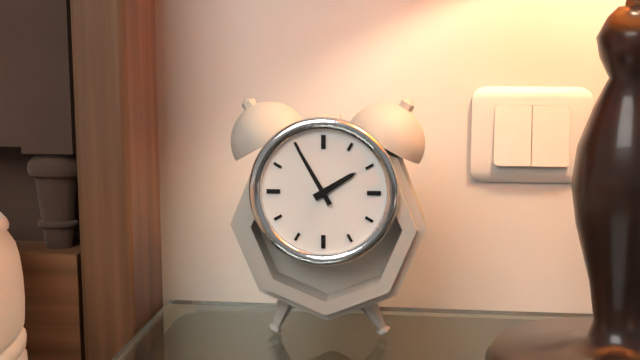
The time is 1,55
